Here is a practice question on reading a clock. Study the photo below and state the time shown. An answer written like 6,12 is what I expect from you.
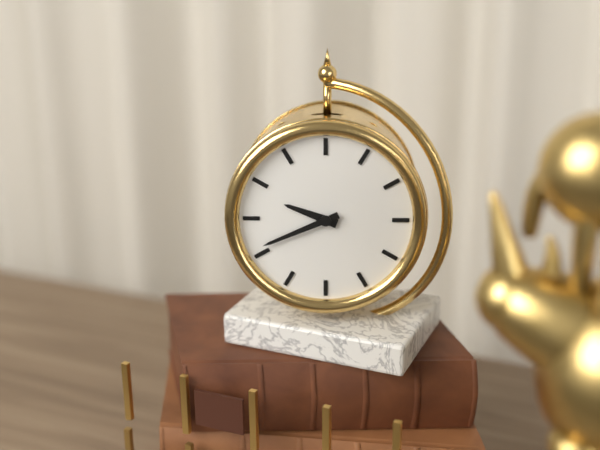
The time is 9,41
